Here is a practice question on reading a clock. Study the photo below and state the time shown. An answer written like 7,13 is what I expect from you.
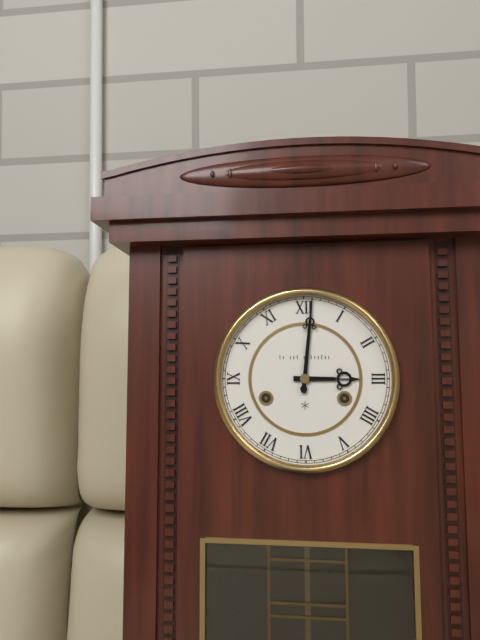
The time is 3,01
